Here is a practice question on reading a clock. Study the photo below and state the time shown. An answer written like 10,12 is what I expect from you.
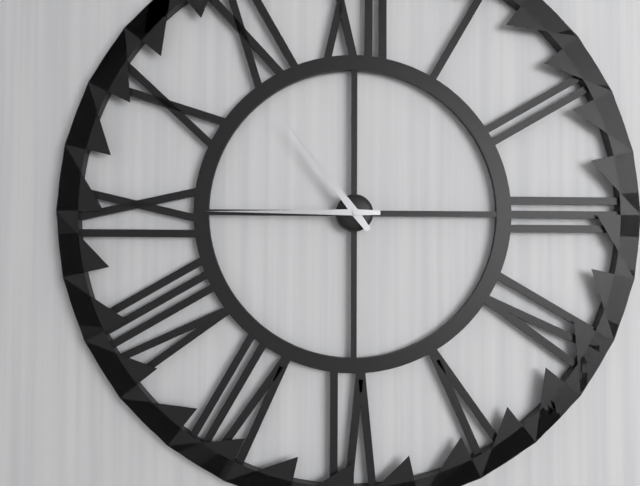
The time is 10,45
